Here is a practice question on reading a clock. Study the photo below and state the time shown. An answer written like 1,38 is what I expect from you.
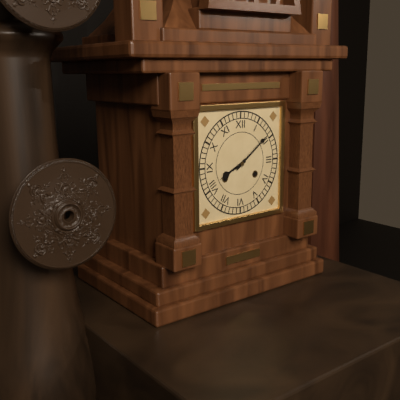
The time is 8,09
